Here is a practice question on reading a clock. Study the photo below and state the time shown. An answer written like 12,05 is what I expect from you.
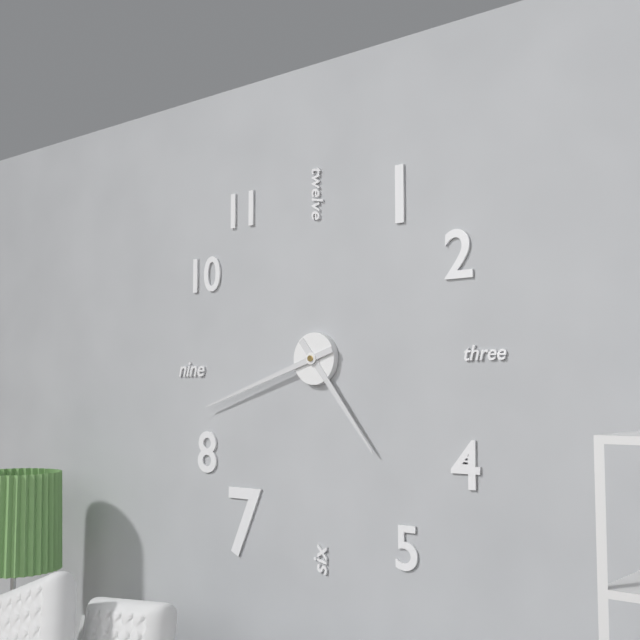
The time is 4,42
